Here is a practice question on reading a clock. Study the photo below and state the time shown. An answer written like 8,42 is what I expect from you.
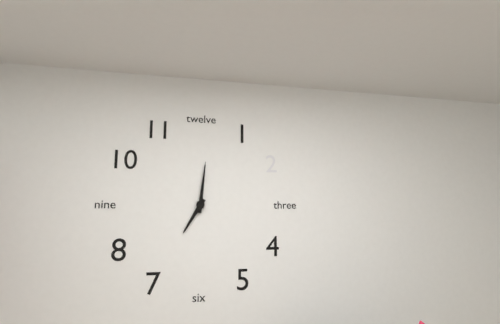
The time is 7,01
